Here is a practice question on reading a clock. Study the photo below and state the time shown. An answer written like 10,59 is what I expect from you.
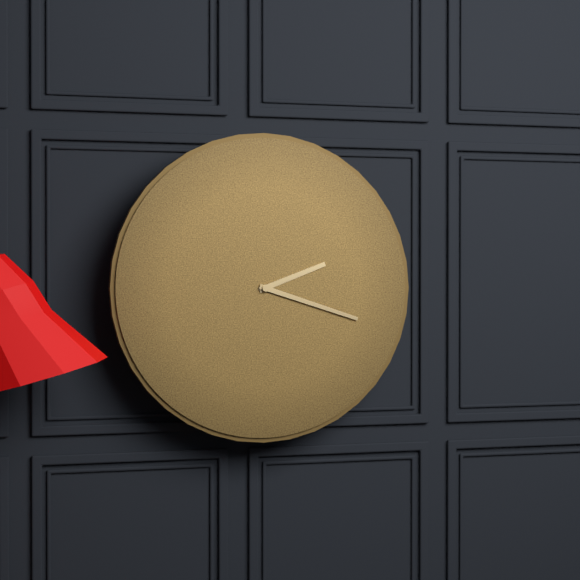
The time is 2,18
